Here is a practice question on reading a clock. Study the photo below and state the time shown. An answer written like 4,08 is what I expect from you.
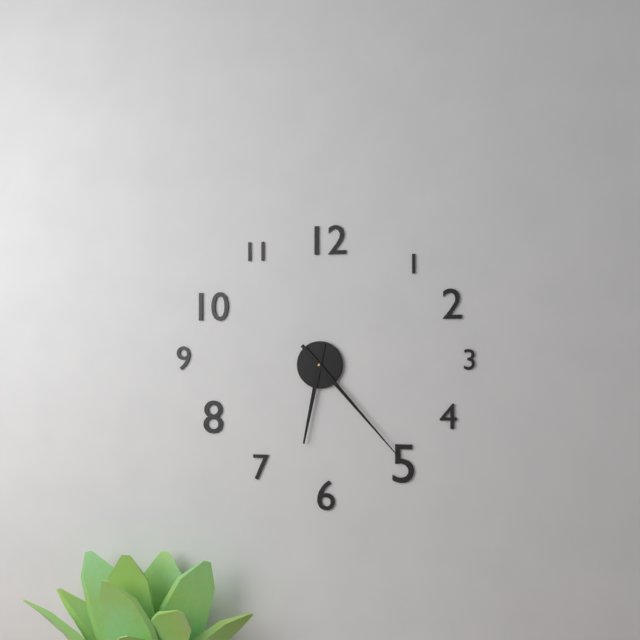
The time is 6,23
